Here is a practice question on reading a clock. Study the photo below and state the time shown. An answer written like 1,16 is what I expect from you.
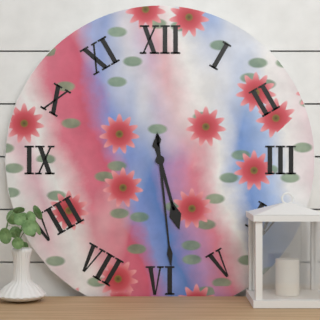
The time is 5,29
